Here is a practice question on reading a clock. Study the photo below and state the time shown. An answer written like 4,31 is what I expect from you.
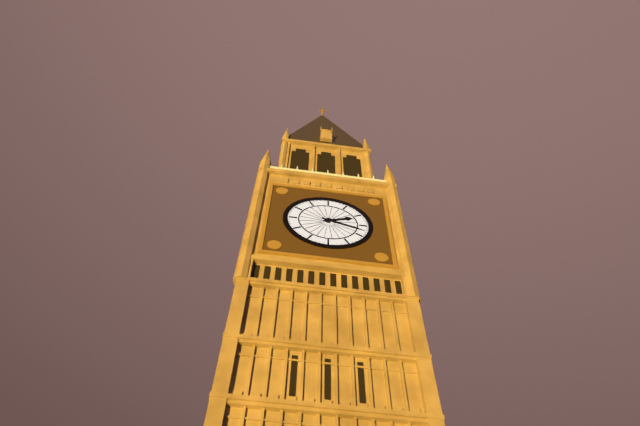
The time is 2,18
